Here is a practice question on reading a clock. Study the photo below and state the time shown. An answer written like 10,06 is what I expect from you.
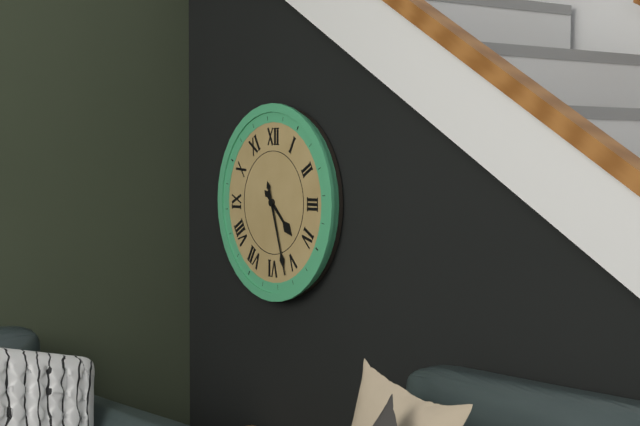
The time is 4,27
